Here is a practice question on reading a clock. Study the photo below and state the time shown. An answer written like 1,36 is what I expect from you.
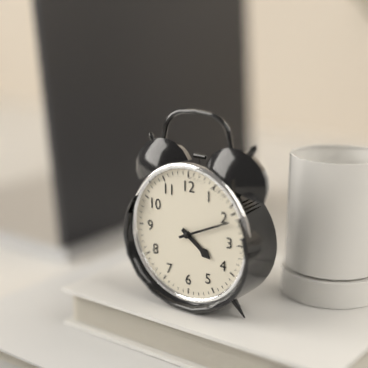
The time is 4,11
